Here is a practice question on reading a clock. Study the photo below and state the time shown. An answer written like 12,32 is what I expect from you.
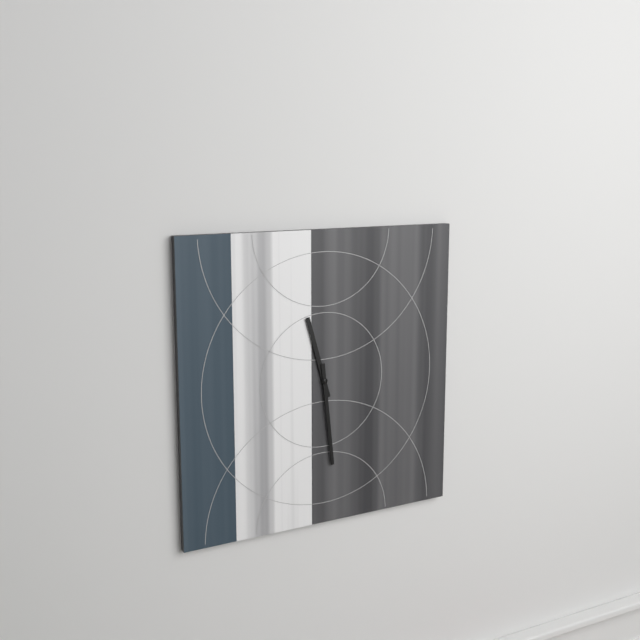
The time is 11,29
